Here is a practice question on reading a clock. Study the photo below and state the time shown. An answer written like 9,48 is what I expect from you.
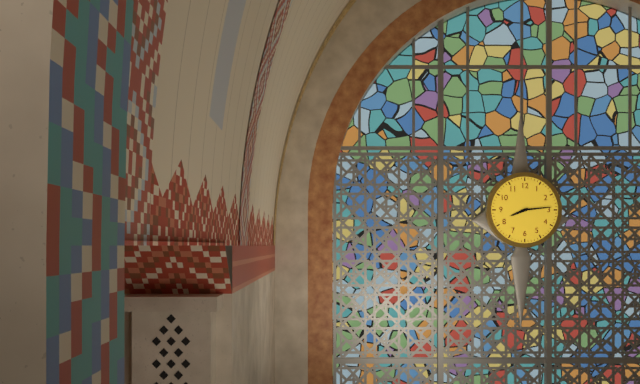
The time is 8,14
